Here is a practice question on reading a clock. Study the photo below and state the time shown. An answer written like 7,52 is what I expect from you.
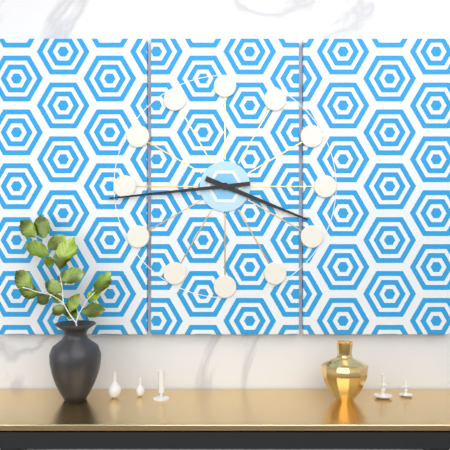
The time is 3,44
